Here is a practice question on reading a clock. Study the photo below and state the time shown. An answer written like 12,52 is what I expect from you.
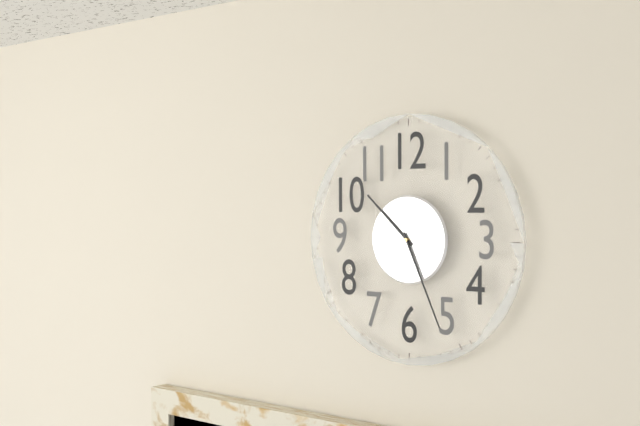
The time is 10,26
